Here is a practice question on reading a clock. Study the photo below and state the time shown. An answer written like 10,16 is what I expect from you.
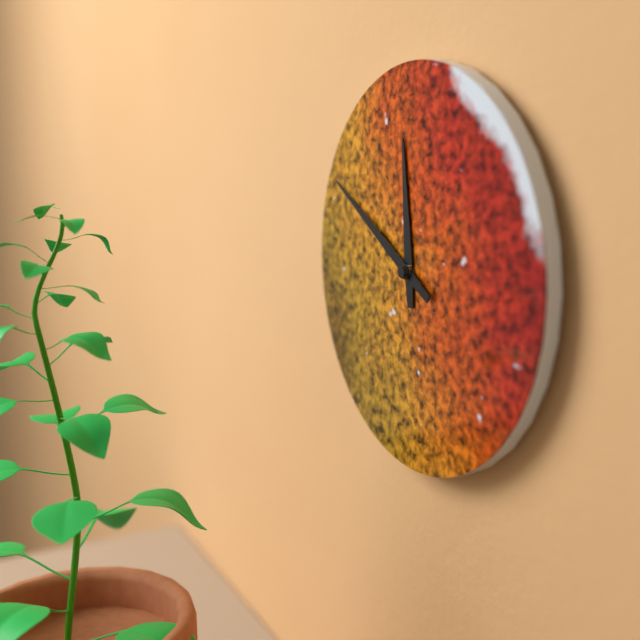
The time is 11,50
